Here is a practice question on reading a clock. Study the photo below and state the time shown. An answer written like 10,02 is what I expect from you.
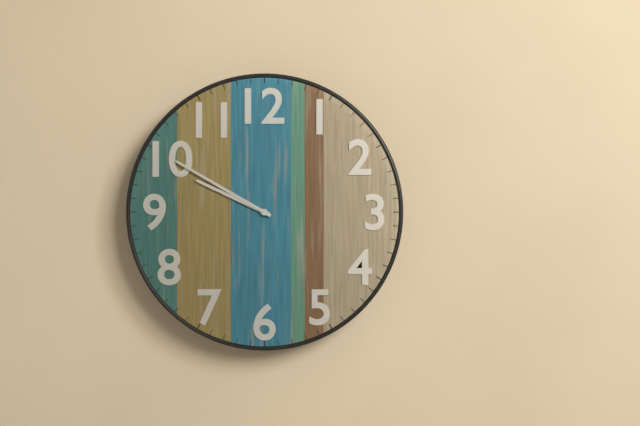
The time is 9,50
